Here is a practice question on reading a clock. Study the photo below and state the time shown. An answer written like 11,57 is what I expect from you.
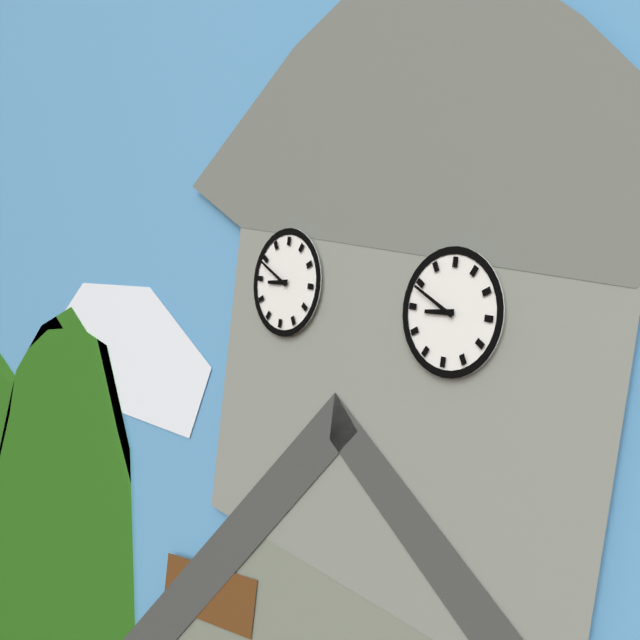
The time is 8,49
